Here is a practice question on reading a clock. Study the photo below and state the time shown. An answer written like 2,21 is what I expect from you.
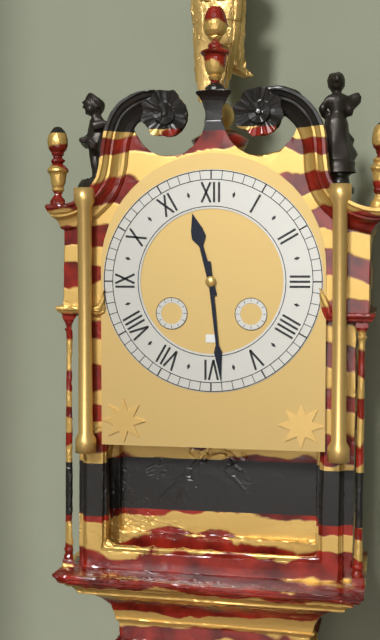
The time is 11,29
